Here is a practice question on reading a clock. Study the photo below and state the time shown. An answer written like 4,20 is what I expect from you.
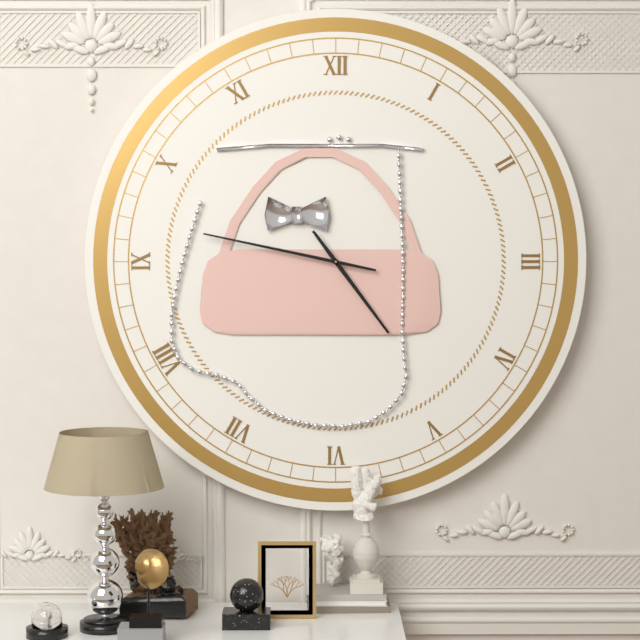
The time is 4,47
